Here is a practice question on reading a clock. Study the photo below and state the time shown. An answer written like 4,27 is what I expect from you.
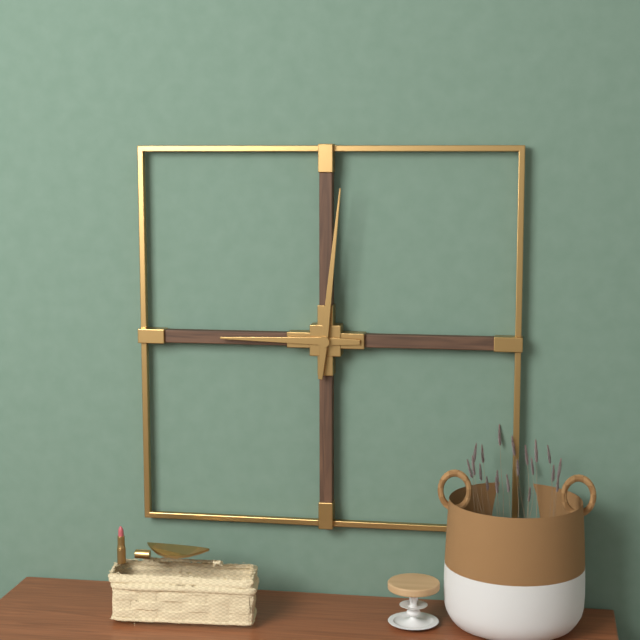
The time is 9,01
